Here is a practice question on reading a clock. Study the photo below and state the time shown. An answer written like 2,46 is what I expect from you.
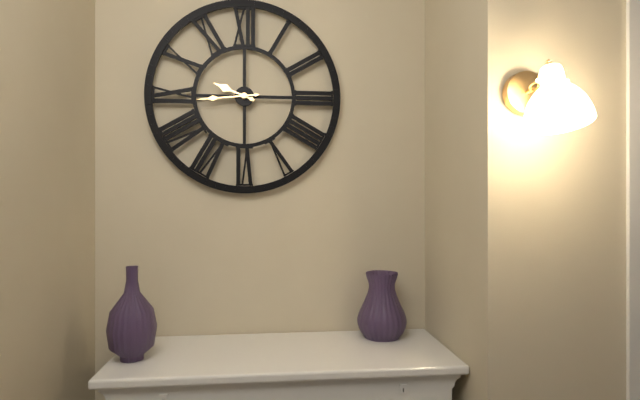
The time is 9,44
